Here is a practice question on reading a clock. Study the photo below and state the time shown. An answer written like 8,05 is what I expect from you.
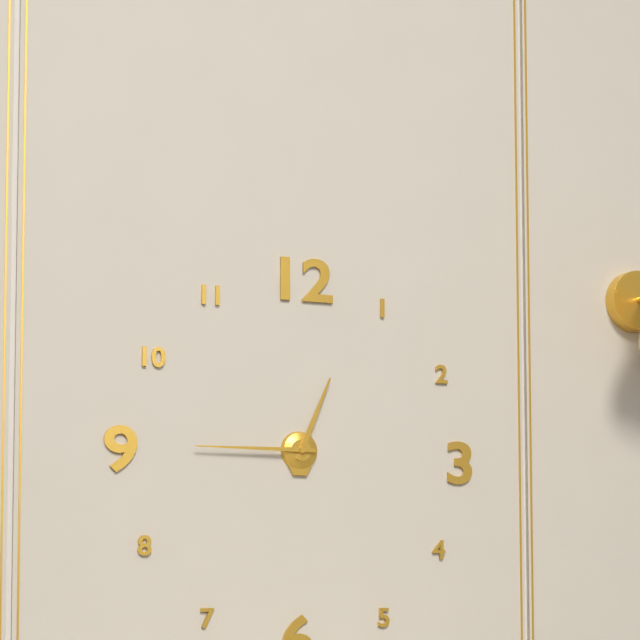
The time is 12,45
